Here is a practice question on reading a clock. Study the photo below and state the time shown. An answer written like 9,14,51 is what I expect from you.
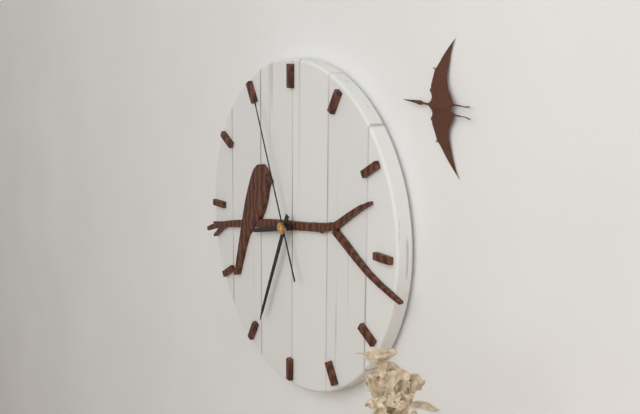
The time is 8,34,56
